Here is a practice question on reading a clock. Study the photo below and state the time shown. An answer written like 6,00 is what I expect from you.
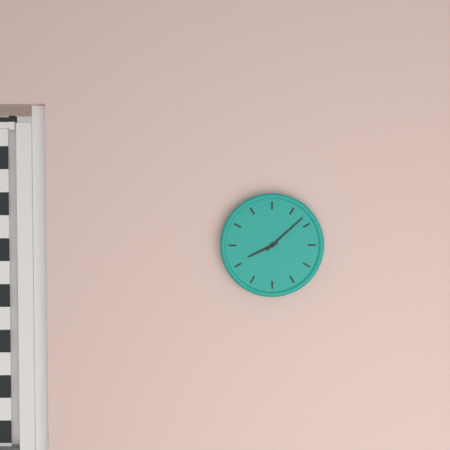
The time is 8,08
